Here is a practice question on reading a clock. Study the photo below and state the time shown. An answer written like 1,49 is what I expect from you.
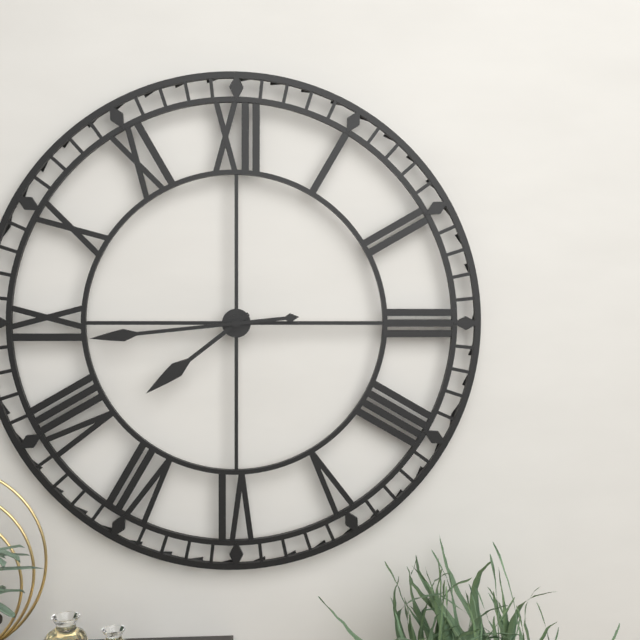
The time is 7,44
